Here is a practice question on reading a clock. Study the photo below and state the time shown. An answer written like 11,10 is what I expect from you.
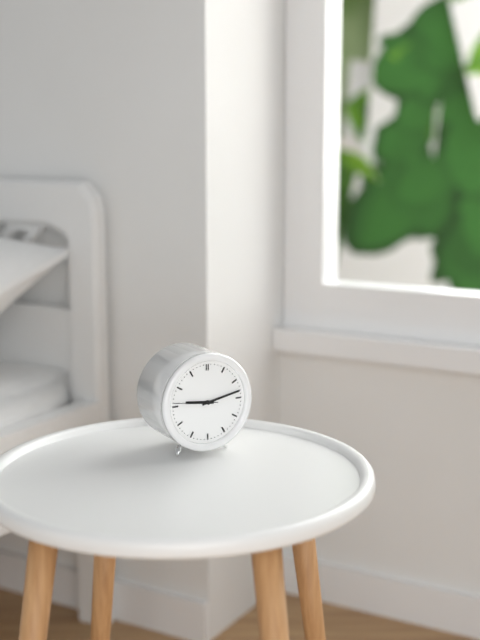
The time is 9,13
